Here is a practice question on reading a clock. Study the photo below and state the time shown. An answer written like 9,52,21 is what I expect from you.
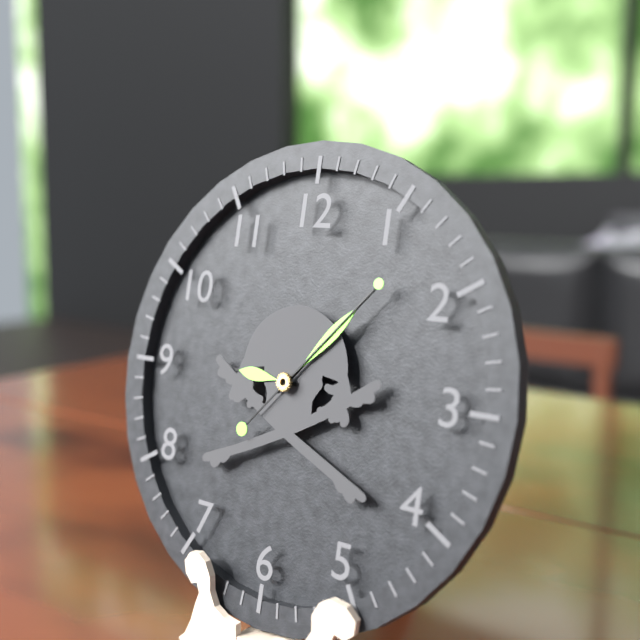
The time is 9,07,07
